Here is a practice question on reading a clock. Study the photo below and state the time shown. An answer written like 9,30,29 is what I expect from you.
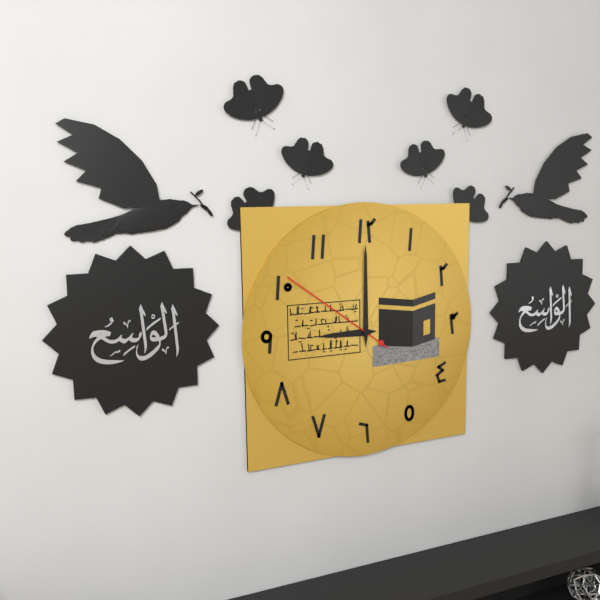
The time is 9,00,51
